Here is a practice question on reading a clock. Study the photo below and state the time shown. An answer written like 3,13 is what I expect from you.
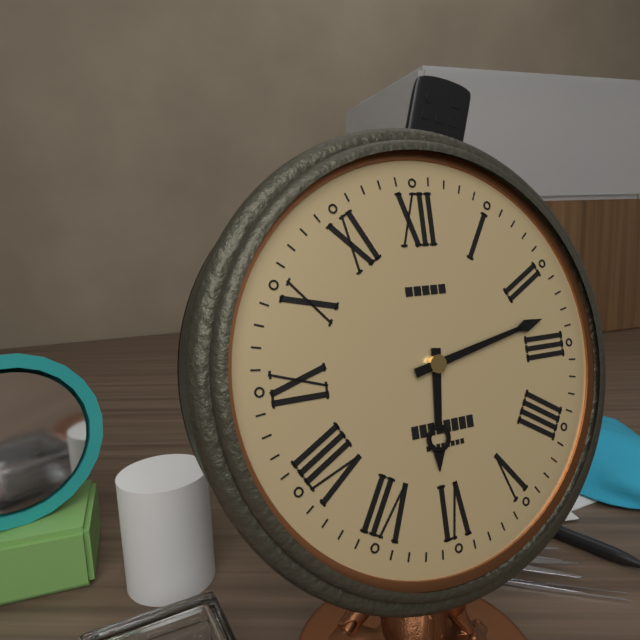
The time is 6,13
